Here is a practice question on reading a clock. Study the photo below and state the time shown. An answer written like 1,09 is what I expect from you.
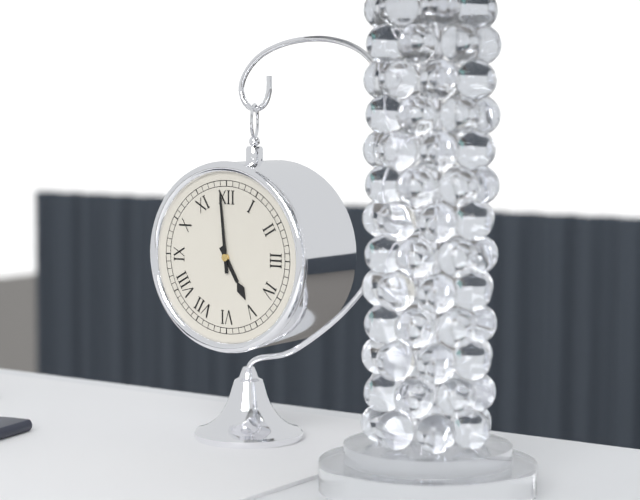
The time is 4,59
